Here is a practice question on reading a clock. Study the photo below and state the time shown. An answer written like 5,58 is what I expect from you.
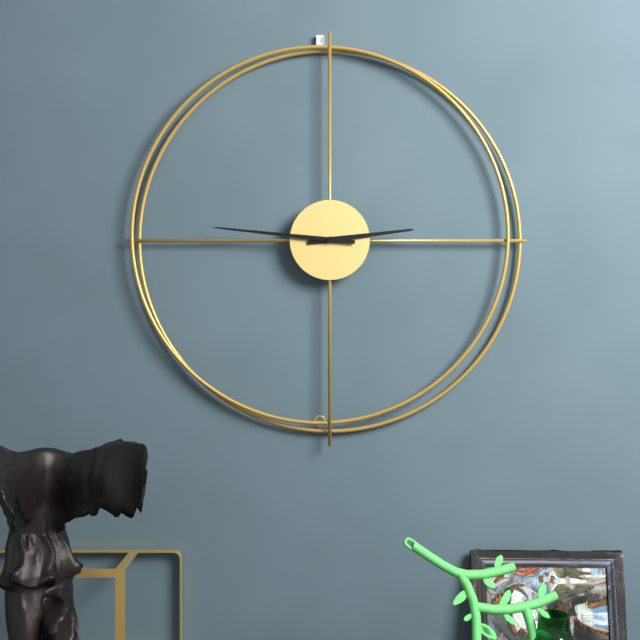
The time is 2,46
